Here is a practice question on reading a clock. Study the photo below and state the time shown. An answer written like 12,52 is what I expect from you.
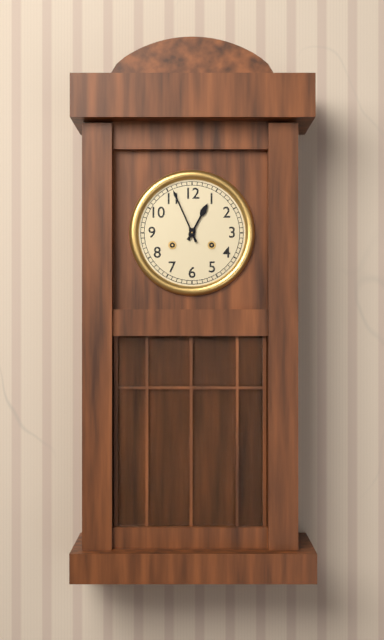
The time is 12,56
